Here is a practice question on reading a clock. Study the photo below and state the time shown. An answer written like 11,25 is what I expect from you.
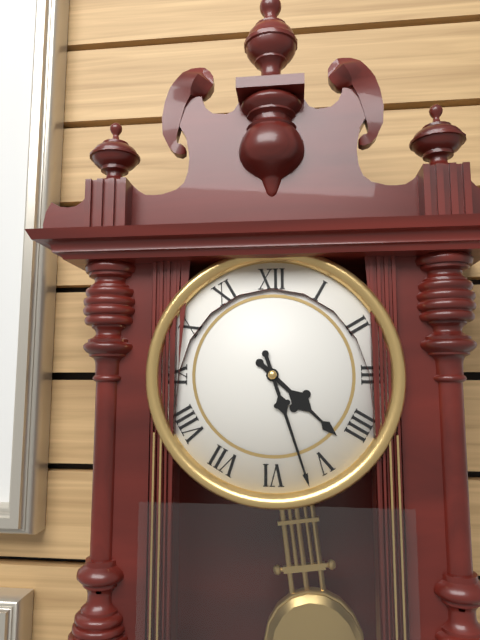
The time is 4,27
